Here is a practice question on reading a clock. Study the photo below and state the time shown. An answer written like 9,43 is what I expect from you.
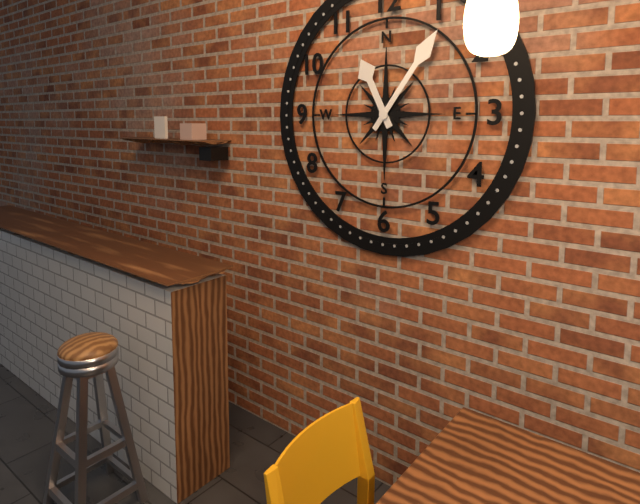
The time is 11,06
